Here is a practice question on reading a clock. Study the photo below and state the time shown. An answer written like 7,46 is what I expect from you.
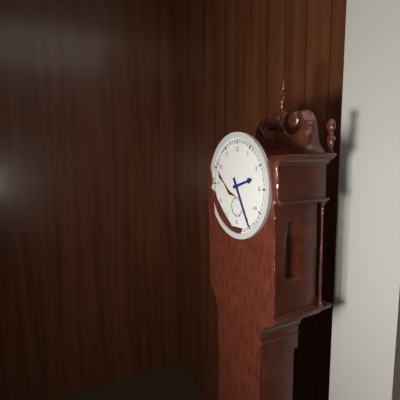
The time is 2,25
